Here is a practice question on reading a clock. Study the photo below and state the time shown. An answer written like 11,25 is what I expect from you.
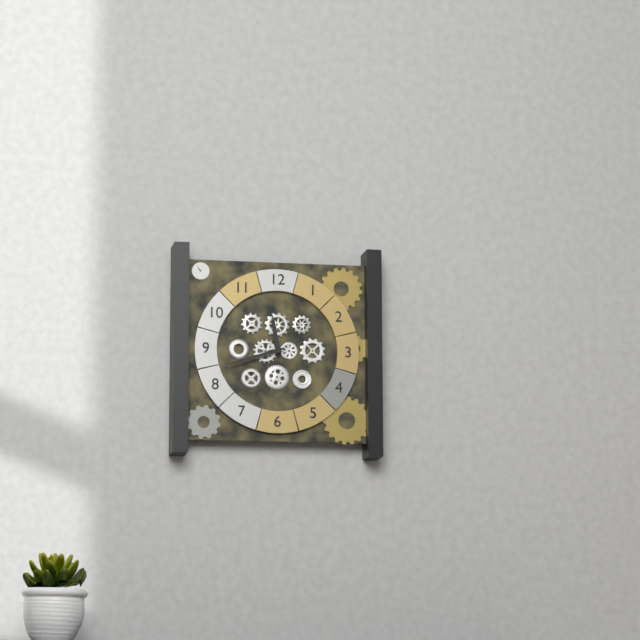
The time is 11,42
